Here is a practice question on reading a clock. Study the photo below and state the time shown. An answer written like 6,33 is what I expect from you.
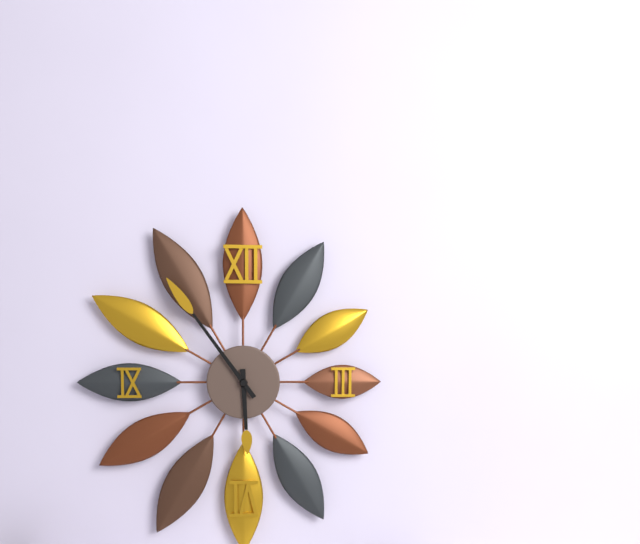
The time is 5,54
